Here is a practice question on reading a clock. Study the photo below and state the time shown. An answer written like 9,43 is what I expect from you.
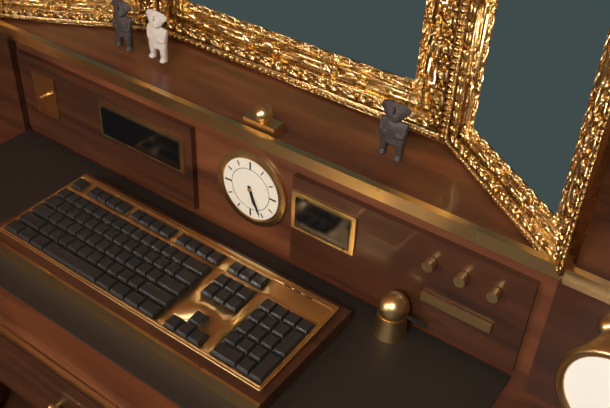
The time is 5,26
